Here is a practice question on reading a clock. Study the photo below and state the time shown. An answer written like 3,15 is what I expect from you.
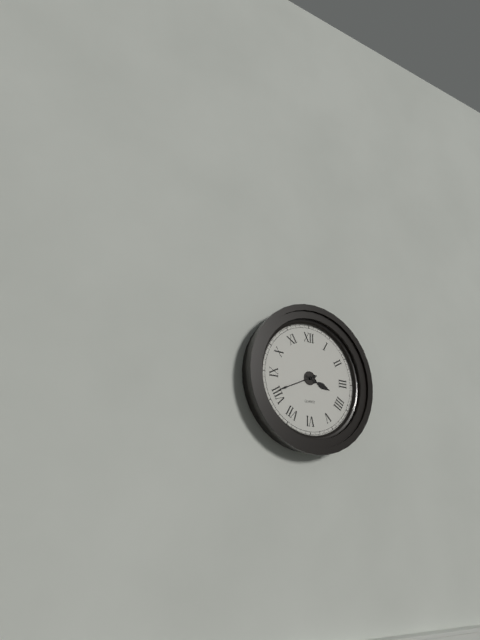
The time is 3,41
